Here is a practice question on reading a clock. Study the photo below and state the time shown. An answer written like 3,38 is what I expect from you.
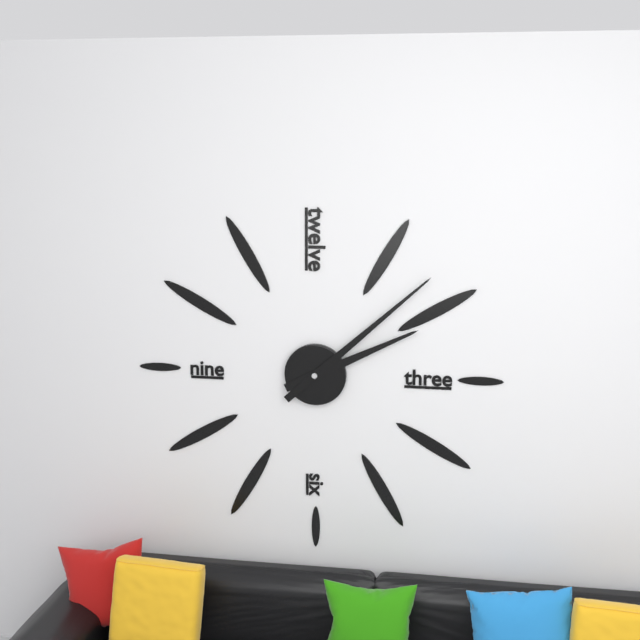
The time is 2,08
